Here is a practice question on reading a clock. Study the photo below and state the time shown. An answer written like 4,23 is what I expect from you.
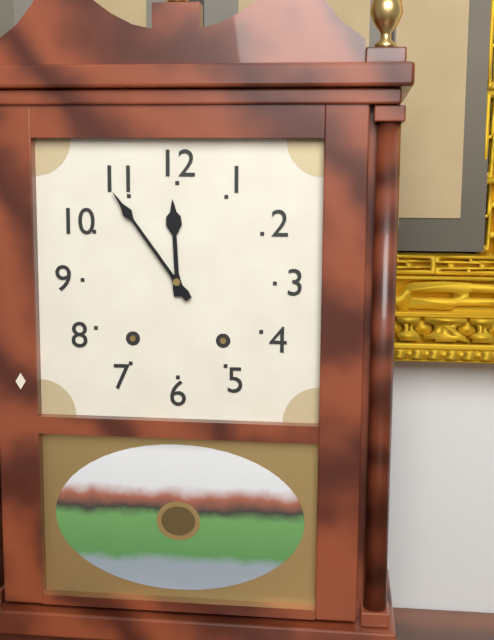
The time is 11,54
